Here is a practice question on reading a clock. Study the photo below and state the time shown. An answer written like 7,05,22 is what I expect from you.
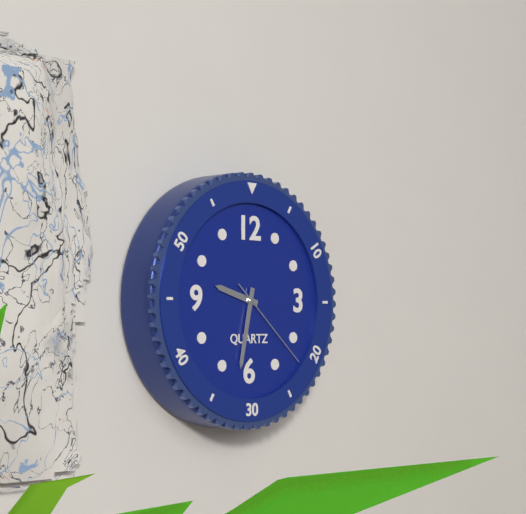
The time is 9,32,22
